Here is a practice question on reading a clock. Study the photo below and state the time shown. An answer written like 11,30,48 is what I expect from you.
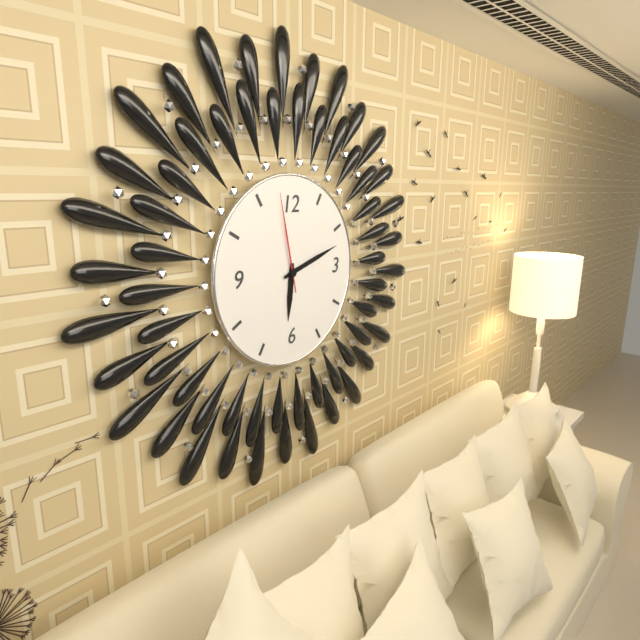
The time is 6,12,58
